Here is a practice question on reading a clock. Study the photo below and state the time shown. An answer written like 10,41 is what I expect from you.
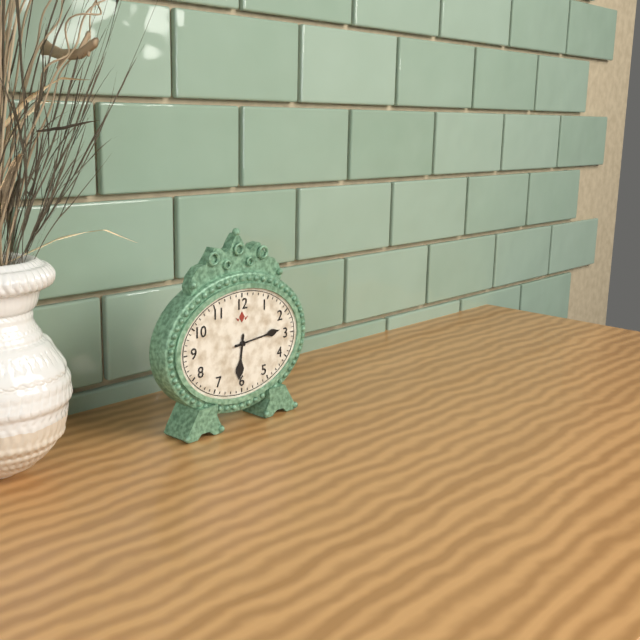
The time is 6,14
